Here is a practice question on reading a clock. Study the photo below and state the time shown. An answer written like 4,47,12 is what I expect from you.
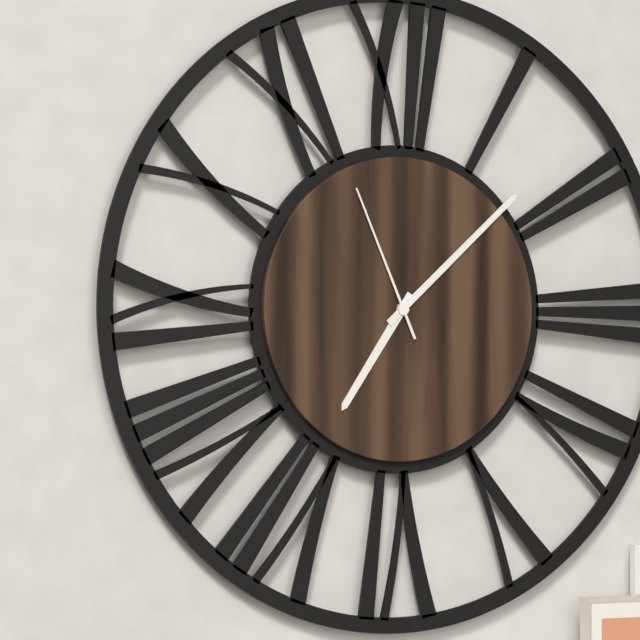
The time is 7,08,56
